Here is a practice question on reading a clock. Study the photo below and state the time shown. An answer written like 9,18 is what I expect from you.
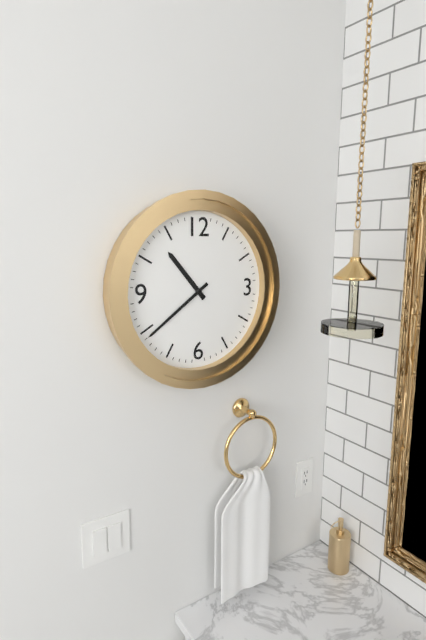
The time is 10,39
